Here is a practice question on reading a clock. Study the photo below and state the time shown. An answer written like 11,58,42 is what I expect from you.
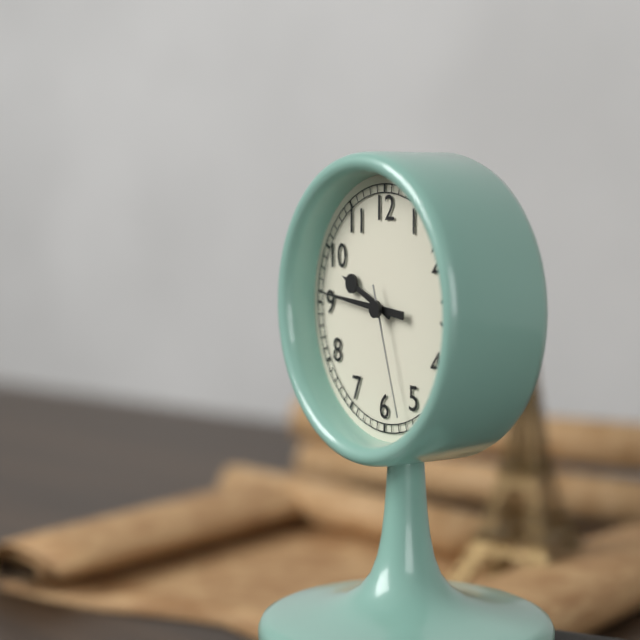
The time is 9,46,27
